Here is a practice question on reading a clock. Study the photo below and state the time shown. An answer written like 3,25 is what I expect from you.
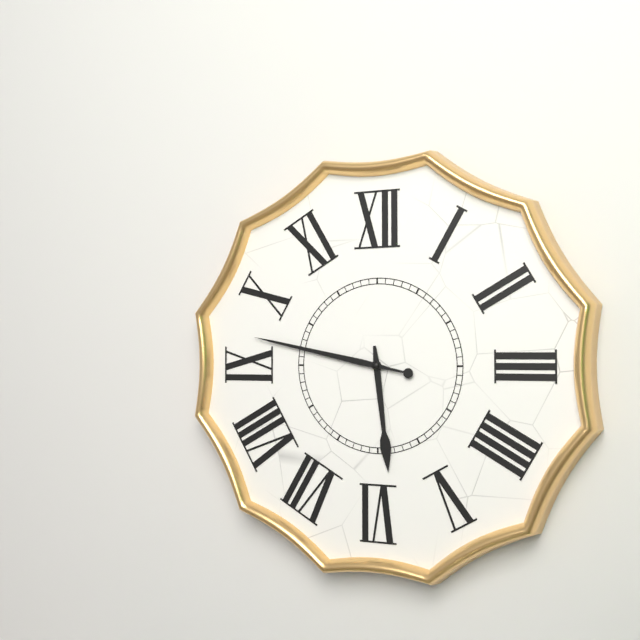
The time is 5,47
